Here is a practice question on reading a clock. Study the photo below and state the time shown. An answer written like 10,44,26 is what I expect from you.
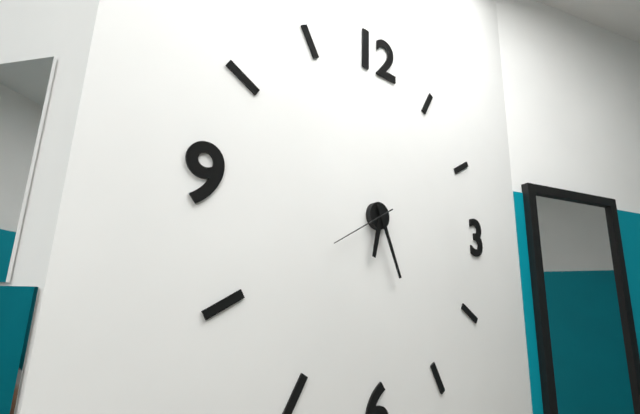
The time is 6,26,40
